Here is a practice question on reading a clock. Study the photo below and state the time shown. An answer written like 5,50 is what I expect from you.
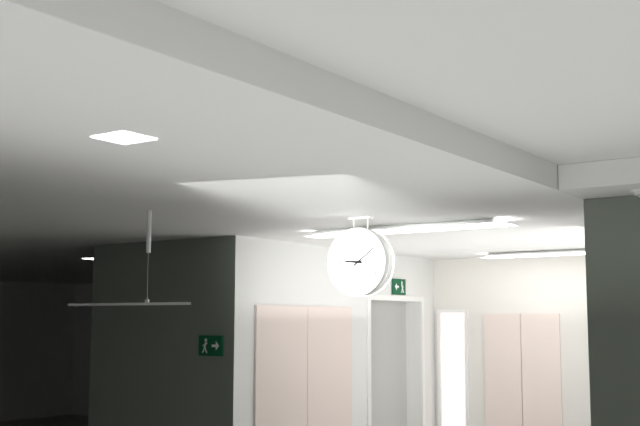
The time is 9,09
